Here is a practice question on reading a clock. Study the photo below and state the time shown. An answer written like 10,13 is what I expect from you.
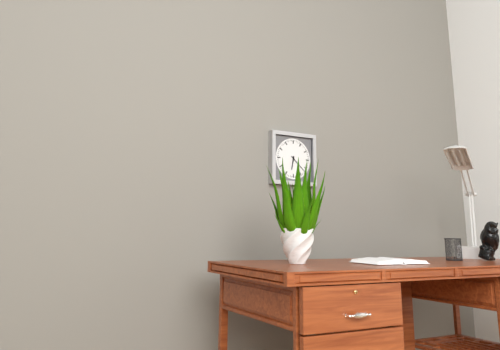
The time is 6,22
